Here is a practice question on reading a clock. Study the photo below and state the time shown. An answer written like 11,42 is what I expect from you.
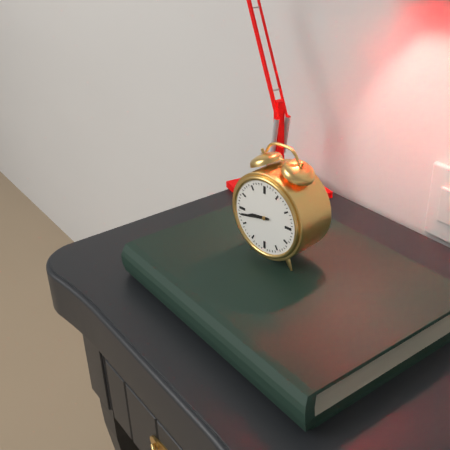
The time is 8,43
